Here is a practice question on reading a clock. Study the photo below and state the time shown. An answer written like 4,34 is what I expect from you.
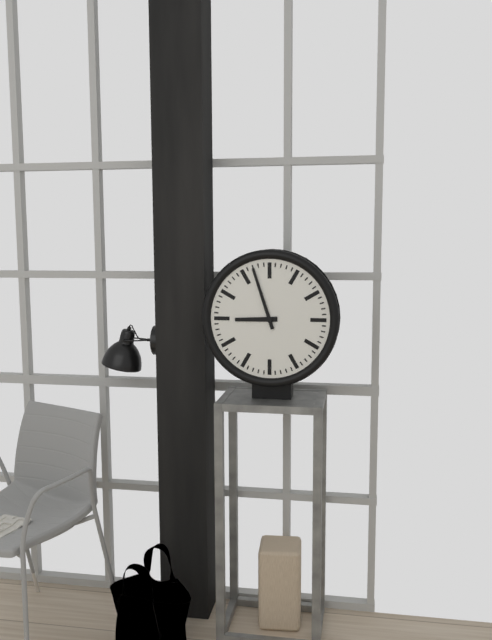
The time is 8,57
